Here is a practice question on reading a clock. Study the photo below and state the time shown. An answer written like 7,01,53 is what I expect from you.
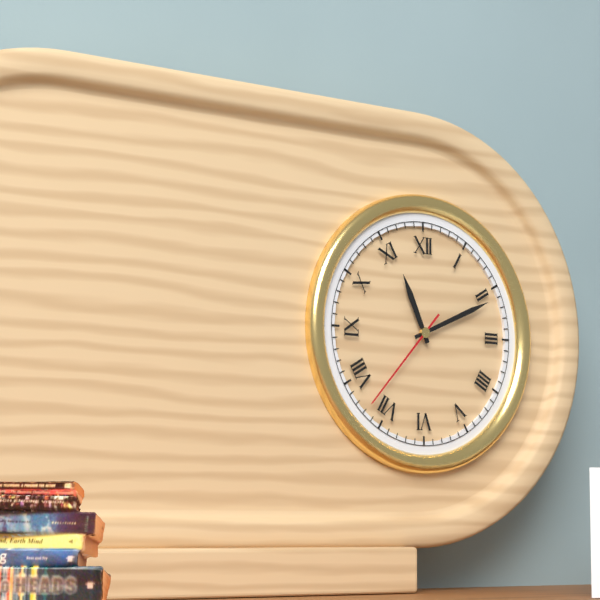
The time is 11,11,37
